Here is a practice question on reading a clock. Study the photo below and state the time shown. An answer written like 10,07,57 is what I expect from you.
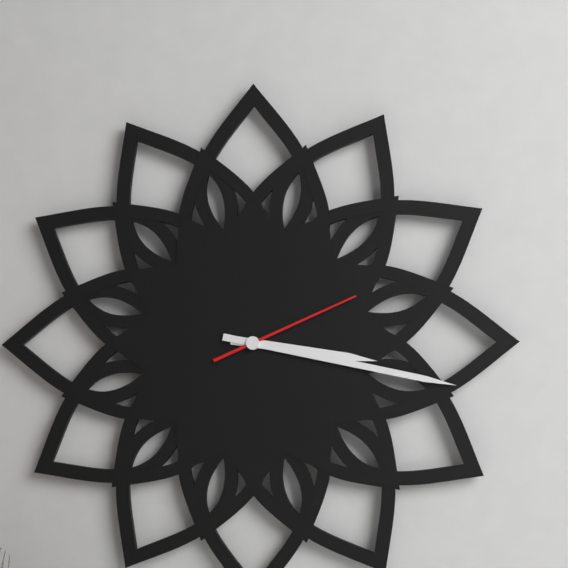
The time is 3,17,11
